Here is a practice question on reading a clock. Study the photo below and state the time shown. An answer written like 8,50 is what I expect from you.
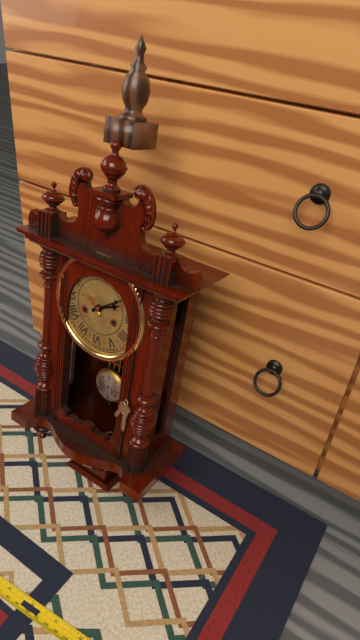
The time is 2,09
